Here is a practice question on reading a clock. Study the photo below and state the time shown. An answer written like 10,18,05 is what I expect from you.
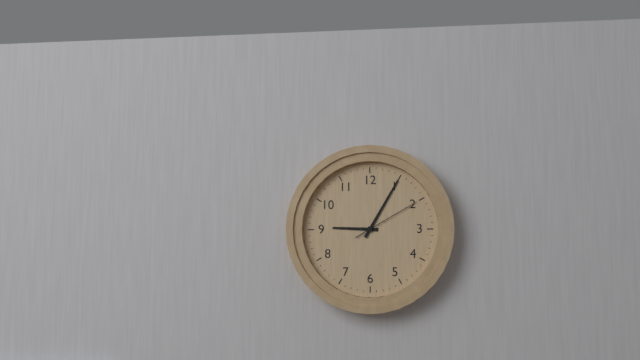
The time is 9,05,10
